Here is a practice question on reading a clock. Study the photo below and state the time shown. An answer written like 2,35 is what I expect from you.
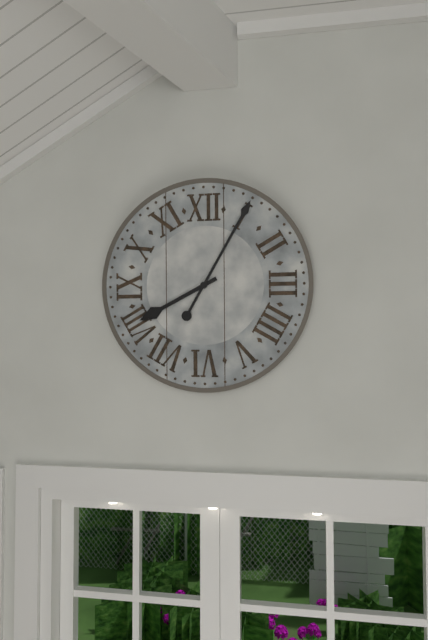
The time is 8,05
